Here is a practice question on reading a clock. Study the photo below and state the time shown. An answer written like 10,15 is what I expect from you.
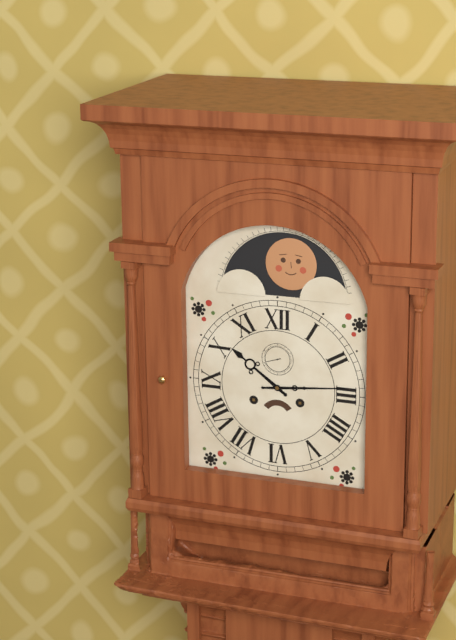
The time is 10,14
